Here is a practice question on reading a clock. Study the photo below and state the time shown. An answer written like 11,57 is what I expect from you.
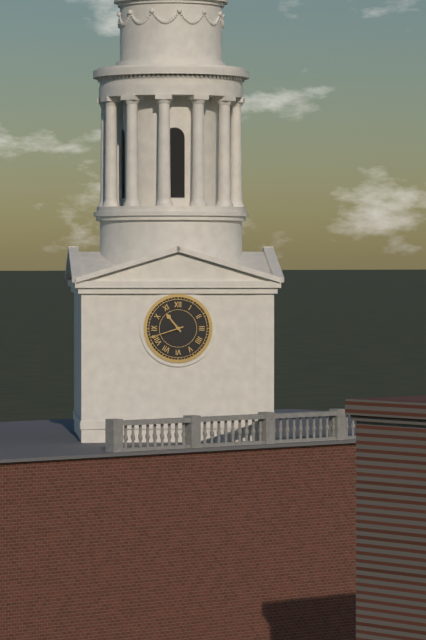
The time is 10,42
